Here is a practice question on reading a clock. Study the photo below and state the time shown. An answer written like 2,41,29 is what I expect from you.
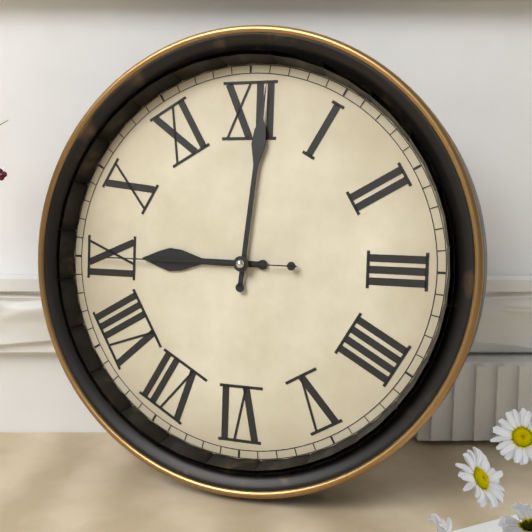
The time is 9,01,45
